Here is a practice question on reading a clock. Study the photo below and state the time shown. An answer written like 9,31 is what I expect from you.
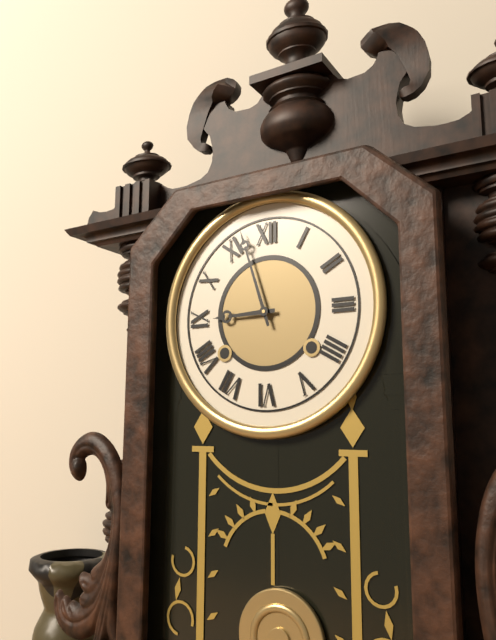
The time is 8,57
